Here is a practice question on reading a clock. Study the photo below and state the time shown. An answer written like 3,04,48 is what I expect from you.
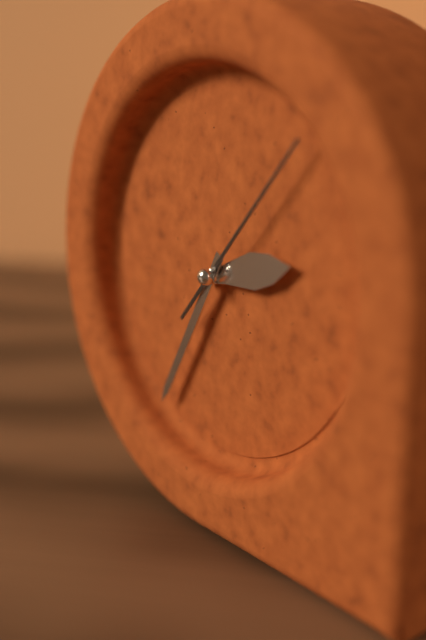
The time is 2,35,07
